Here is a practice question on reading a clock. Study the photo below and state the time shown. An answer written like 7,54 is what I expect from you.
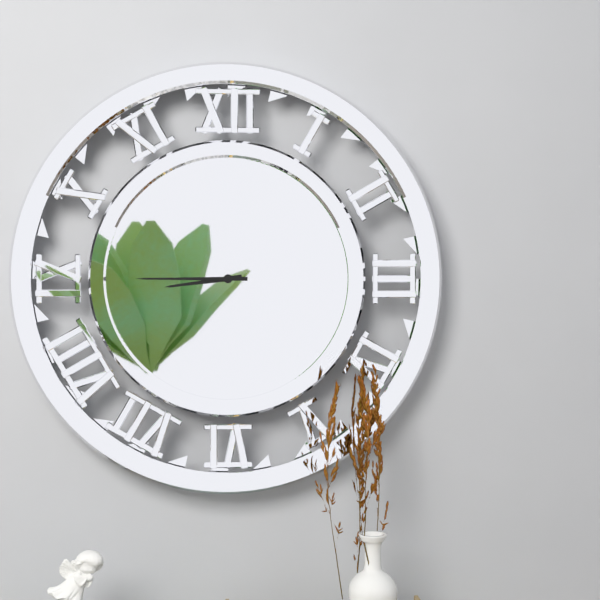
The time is 8,45
